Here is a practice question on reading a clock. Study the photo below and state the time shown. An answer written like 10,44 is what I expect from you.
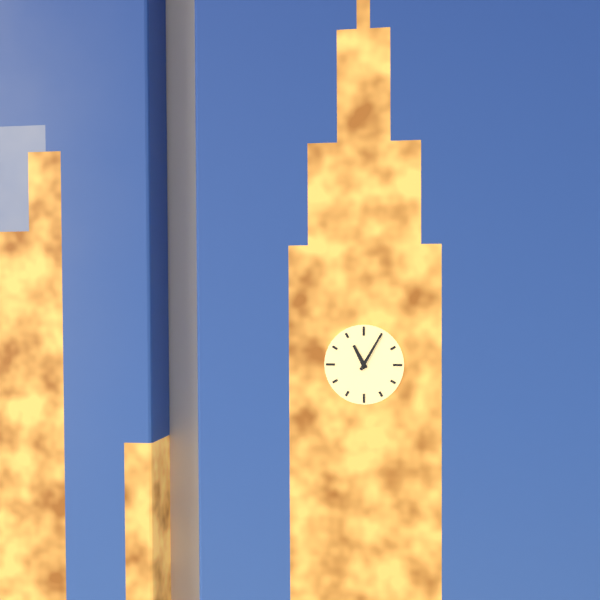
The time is 11,05
